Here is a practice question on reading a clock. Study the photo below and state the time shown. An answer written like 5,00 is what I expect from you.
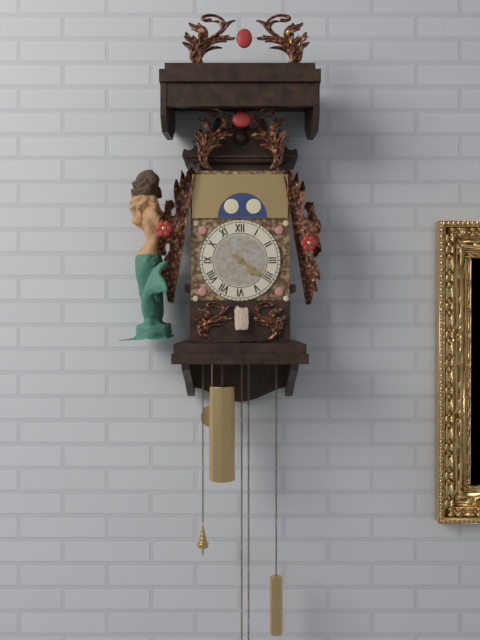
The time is 4,21
